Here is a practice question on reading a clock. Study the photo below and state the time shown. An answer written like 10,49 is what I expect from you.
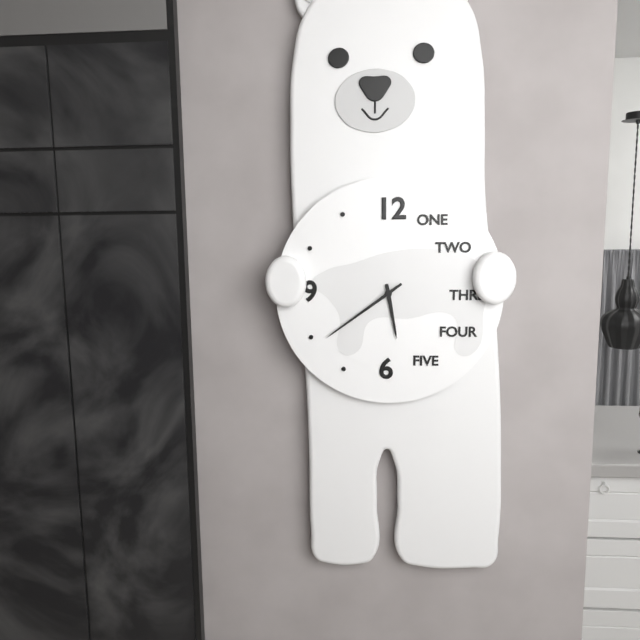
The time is 5,39
